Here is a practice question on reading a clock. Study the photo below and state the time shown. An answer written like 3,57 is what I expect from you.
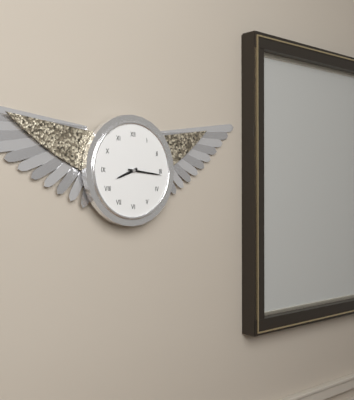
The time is 8,16
